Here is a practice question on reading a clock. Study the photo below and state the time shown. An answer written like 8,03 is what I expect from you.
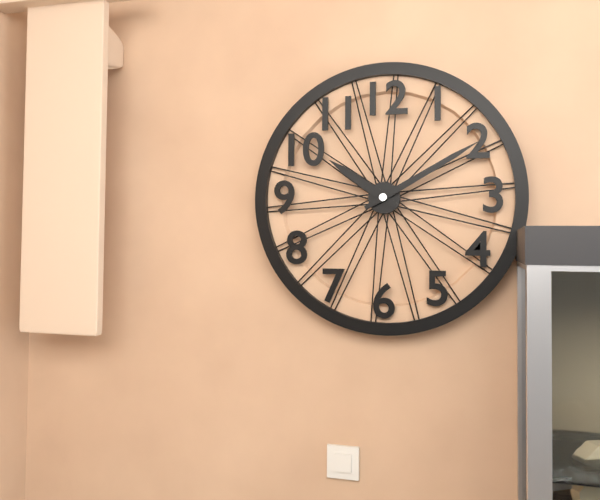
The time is 10,10
